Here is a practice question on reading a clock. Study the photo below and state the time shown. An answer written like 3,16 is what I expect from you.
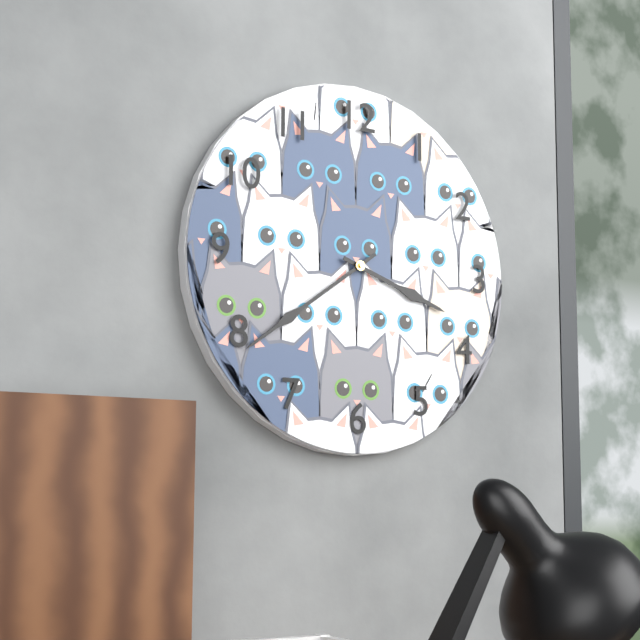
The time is 3,39
